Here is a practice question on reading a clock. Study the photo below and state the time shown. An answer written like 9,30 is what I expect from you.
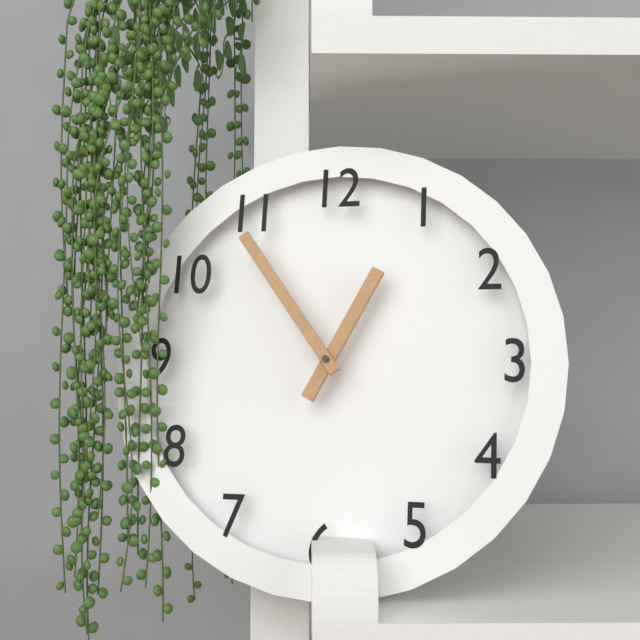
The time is 12,54
